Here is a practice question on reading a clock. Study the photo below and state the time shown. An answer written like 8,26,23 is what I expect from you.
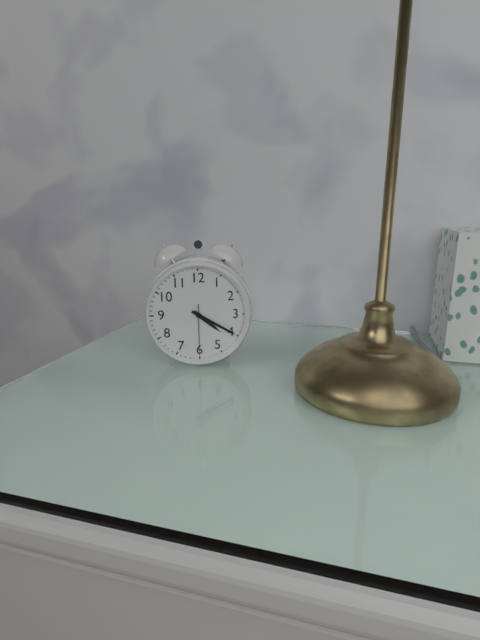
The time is 4,20,30
